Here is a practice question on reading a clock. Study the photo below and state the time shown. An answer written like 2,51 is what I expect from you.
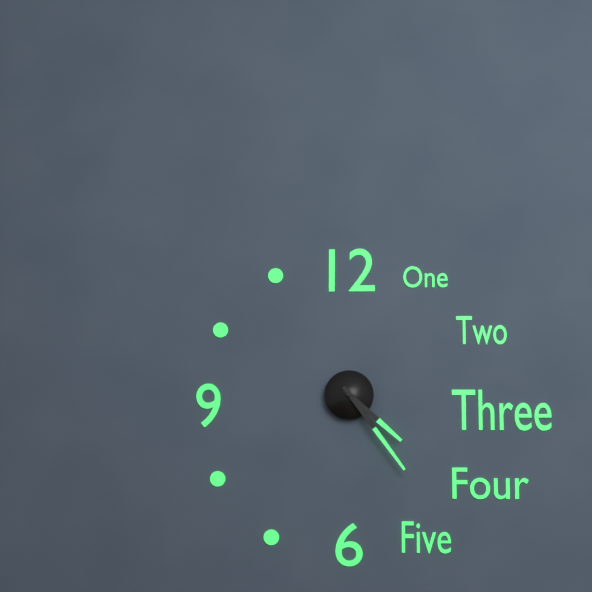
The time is 4,24
